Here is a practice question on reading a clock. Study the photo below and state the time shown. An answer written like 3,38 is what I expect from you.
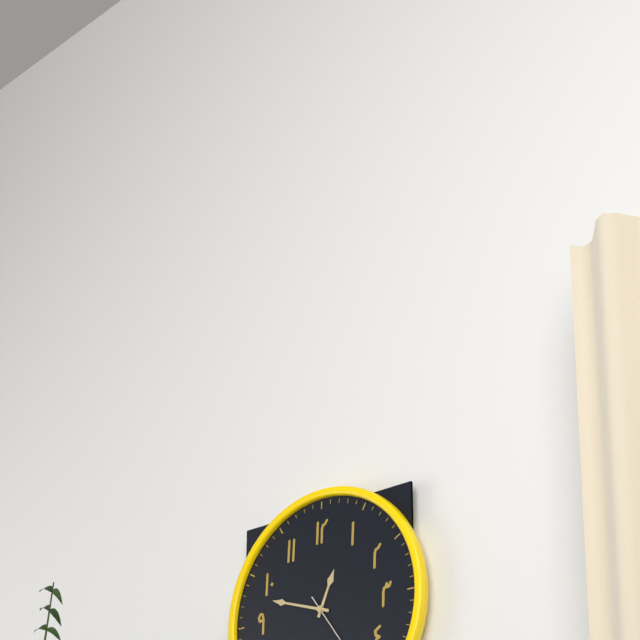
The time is 12,48
